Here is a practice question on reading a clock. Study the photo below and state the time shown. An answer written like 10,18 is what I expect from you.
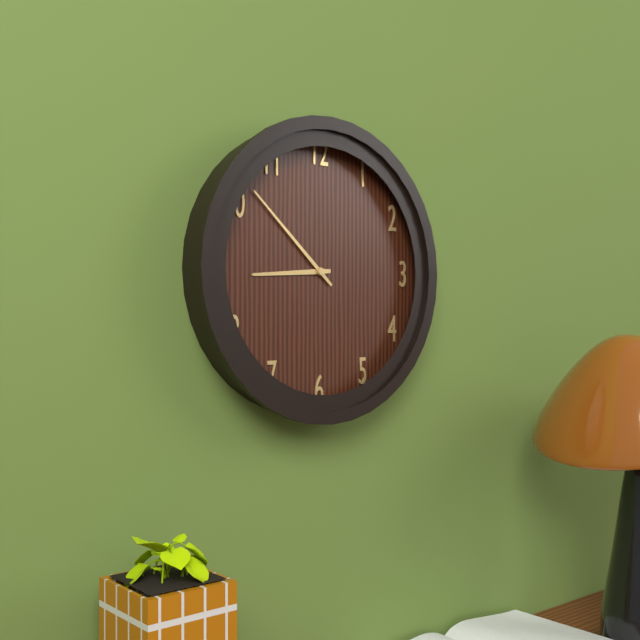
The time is 8,52
